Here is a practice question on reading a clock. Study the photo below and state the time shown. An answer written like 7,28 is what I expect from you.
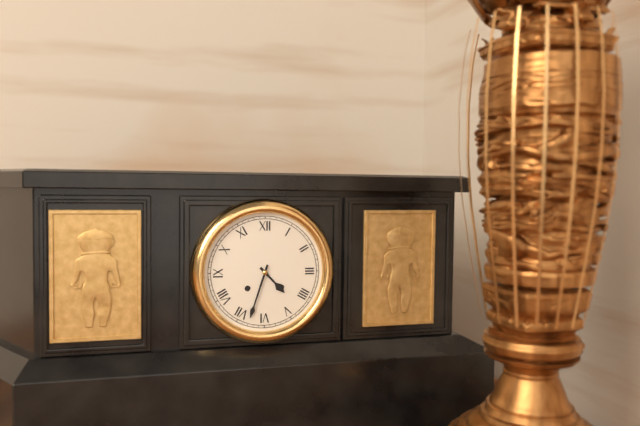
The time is 4,33
